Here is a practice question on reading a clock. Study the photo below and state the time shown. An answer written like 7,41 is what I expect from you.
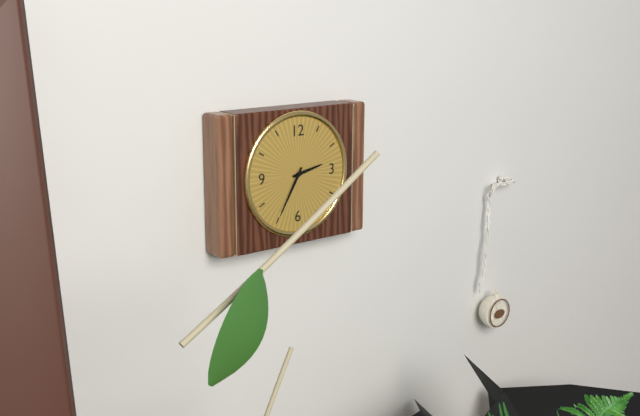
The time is 2,35
